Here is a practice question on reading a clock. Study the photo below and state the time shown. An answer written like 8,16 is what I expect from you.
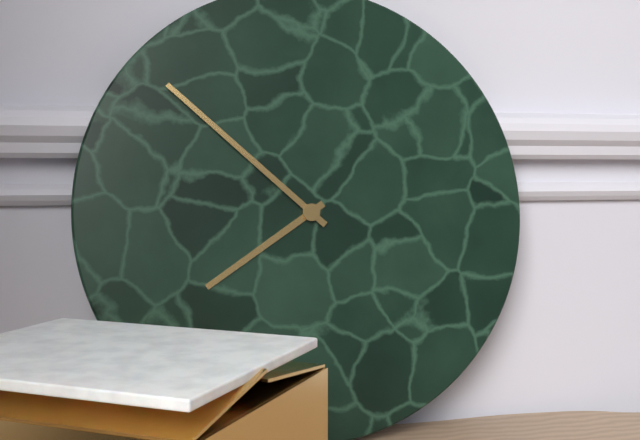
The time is 7,52
